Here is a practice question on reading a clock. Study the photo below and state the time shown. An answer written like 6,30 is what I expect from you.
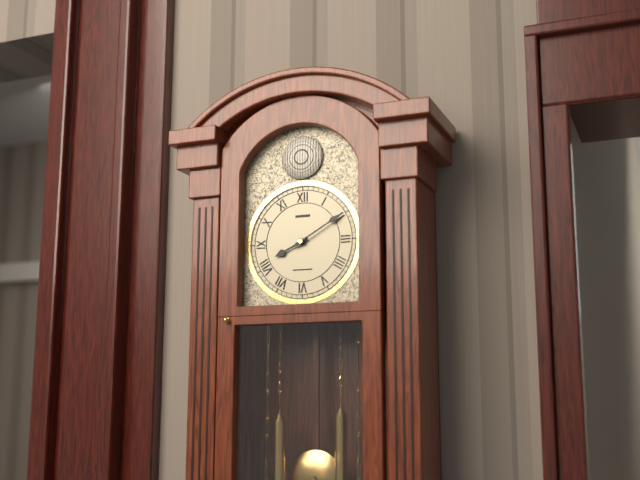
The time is 8,10
